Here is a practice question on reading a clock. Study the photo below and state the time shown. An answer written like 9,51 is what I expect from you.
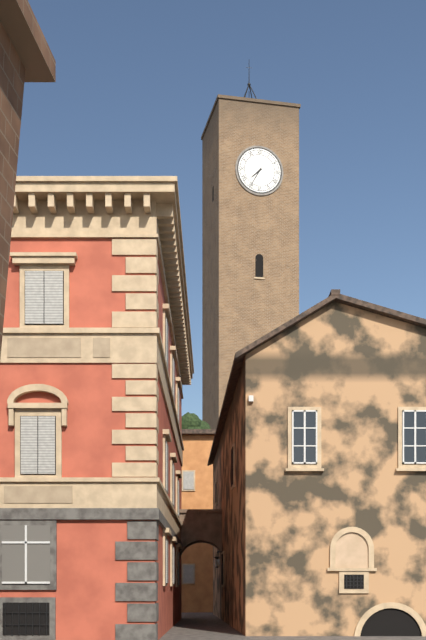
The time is 7,35
